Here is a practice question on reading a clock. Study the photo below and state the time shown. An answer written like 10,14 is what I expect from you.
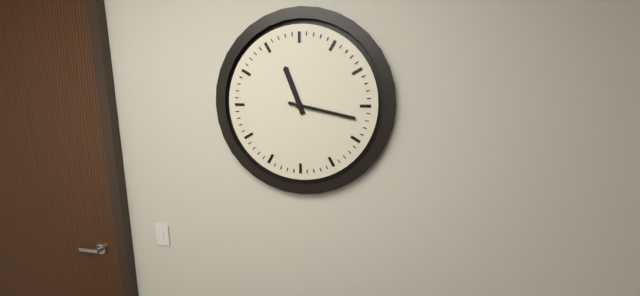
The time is 11,17
